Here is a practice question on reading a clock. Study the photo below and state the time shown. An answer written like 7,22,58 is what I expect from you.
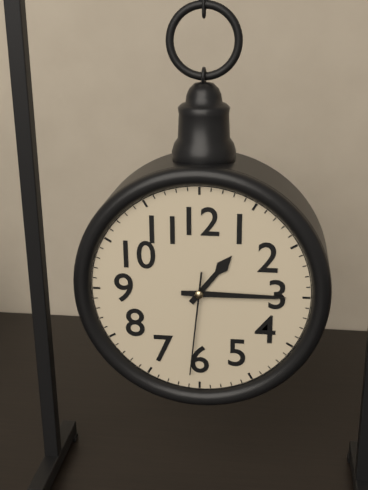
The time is 1,15,31
